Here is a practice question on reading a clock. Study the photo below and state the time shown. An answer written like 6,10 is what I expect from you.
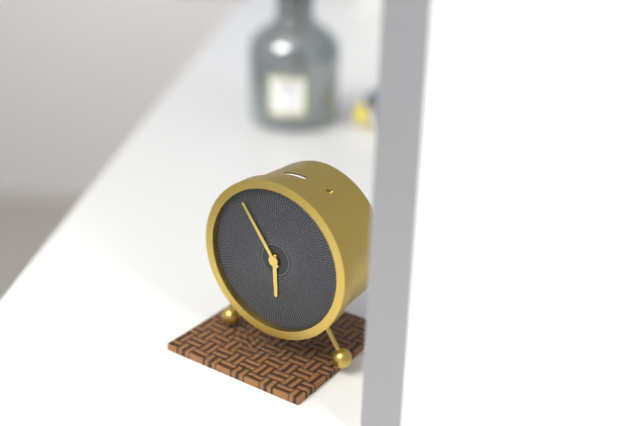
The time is 5,54
